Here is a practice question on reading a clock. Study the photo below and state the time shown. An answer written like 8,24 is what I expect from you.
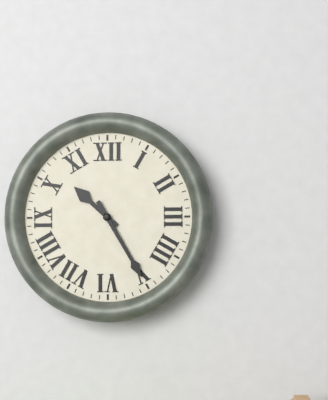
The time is 10,25
